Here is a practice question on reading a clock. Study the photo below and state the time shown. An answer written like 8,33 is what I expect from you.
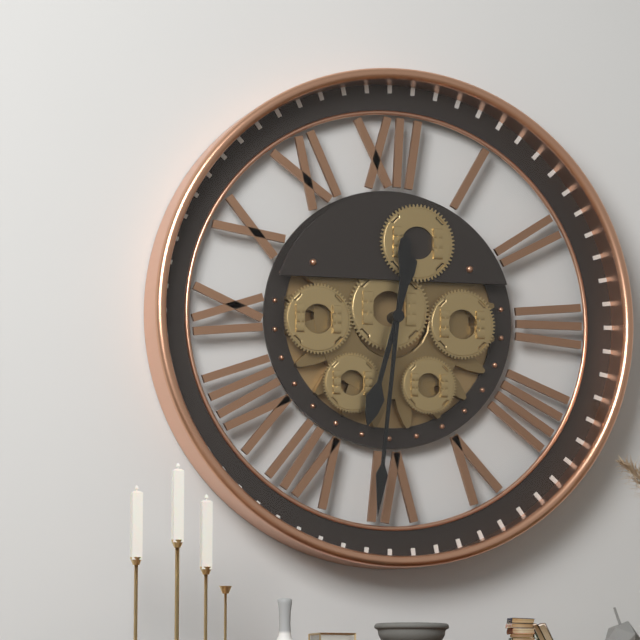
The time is 6,31
